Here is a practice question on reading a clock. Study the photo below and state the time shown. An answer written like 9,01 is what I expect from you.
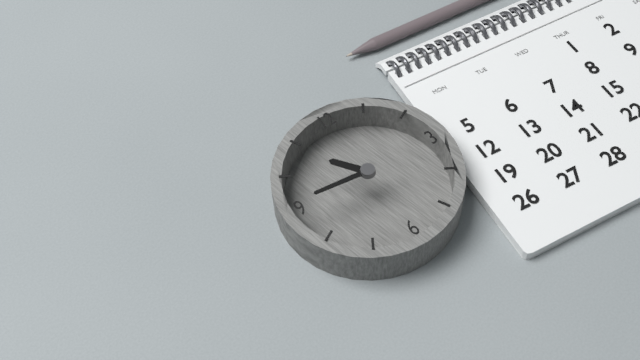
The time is 10,46
